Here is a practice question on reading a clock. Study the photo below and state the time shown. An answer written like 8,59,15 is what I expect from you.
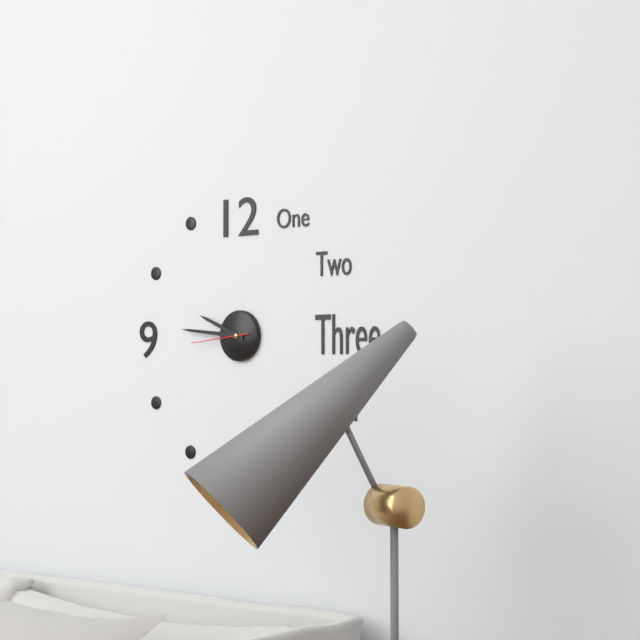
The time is 9,46,44
